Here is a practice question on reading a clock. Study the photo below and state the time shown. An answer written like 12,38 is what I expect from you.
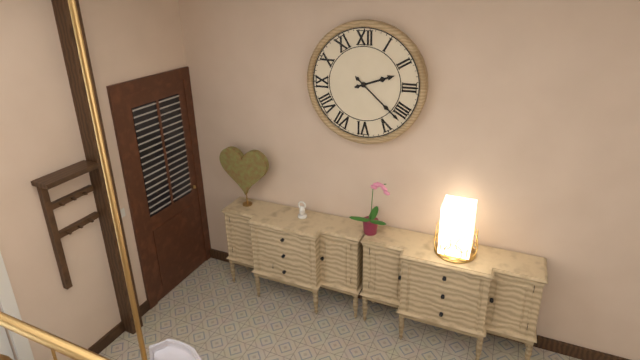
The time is 2,22
